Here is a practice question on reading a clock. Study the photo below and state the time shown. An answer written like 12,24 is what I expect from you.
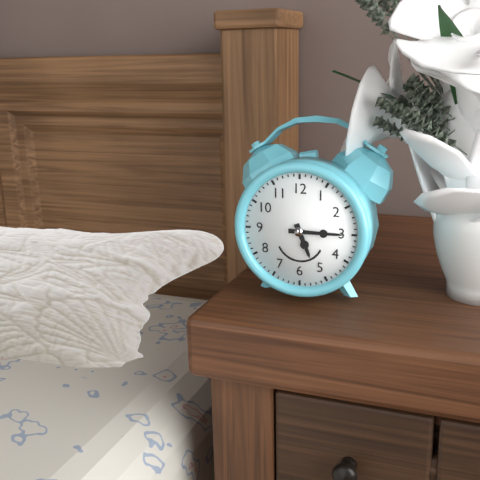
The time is 5,15
